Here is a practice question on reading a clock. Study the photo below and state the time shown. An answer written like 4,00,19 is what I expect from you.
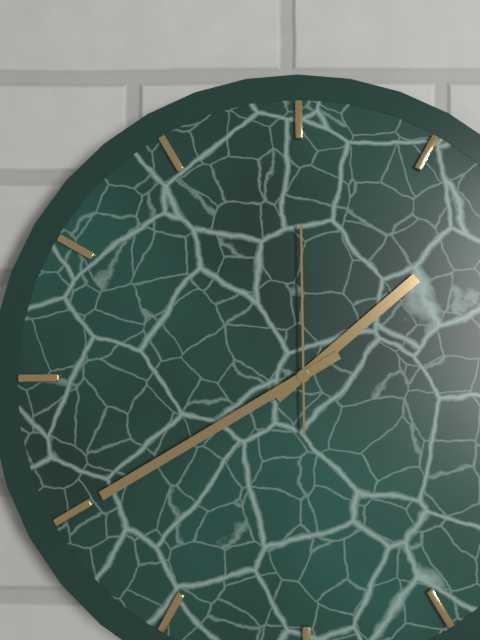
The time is 1,40,00
